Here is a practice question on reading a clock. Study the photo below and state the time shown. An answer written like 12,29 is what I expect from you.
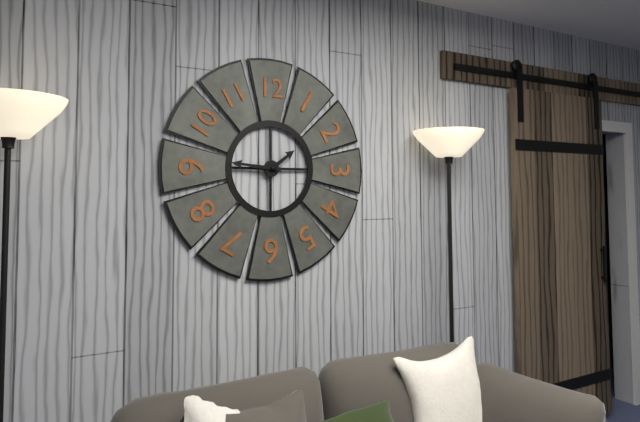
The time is 1,46
